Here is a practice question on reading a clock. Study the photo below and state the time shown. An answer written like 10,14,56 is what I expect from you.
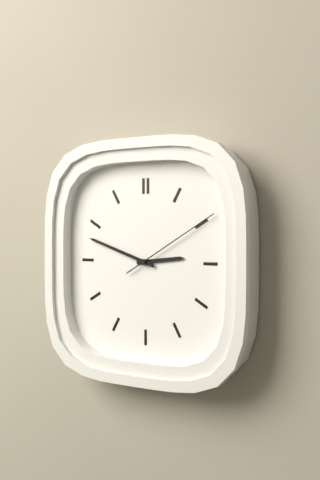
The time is 2,48,10
